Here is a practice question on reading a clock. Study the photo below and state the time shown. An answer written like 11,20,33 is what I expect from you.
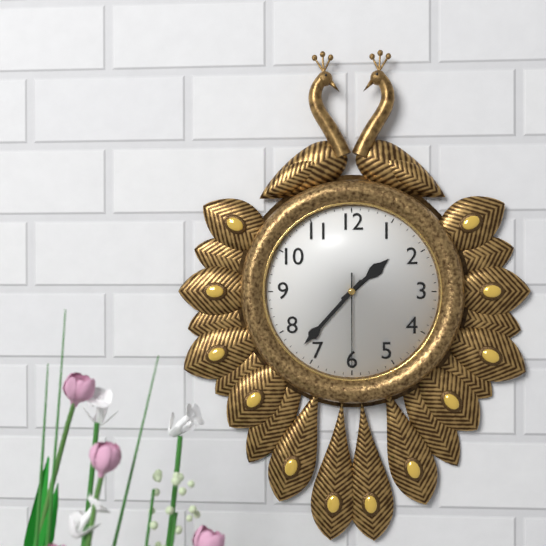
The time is 1,37,30
